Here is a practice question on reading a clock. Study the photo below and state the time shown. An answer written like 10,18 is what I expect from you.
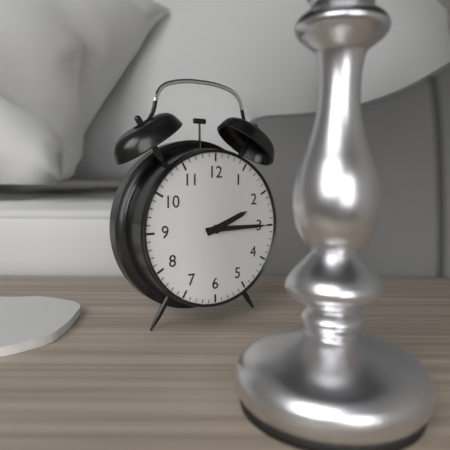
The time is 2,15
